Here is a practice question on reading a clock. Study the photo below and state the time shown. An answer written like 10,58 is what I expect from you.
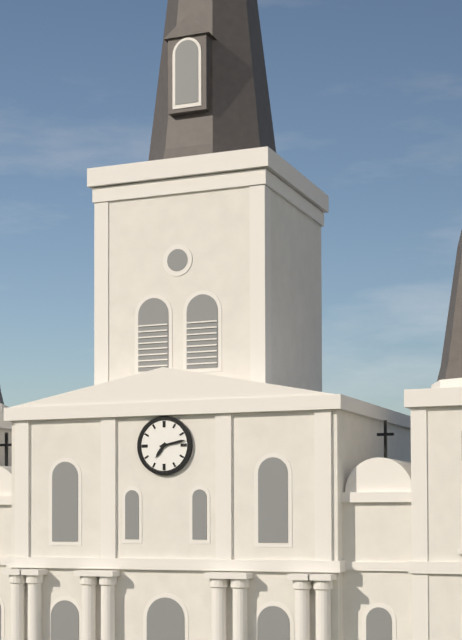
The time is 7,13
